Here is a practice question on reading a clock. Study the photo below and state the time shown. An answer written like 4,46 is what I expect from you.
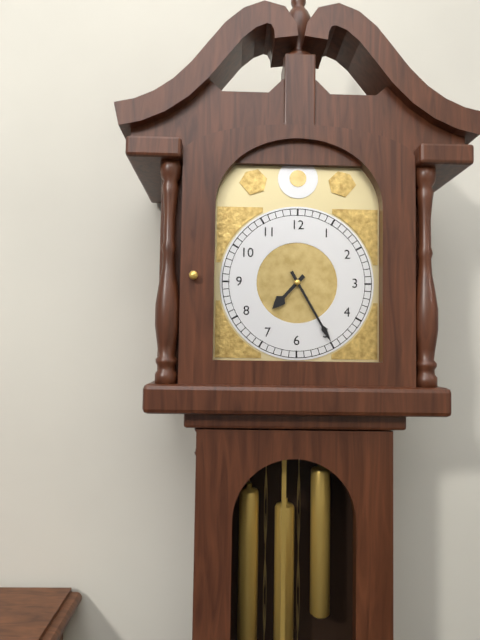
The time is 7,25
